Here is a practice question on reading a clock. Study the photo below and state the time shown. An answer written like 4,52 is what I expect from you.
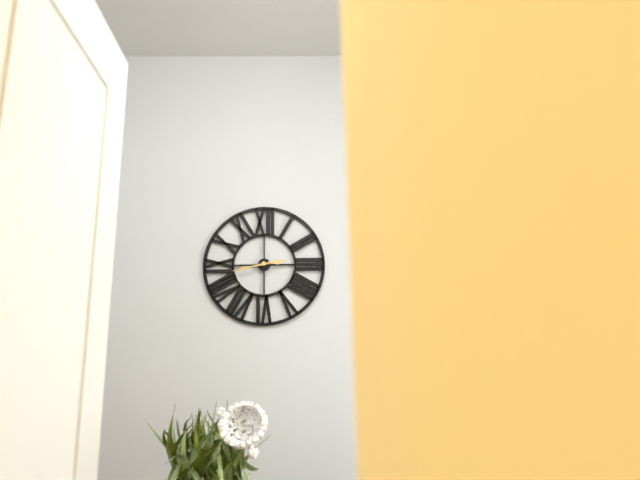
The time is 2,43
